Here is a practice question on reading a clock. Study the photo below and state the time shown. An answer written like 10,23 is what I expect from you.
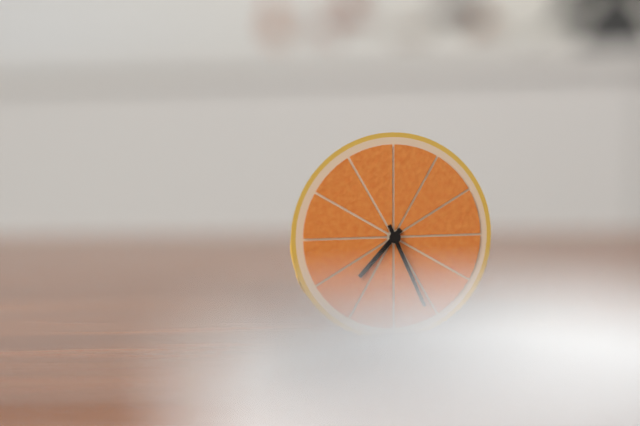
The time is 7,26
